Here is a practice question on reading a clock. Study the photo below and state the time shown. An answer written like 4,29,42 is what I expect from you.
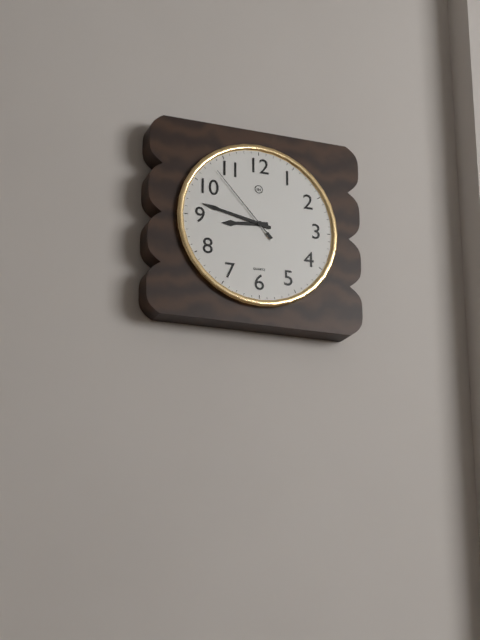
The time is 8,47,53
